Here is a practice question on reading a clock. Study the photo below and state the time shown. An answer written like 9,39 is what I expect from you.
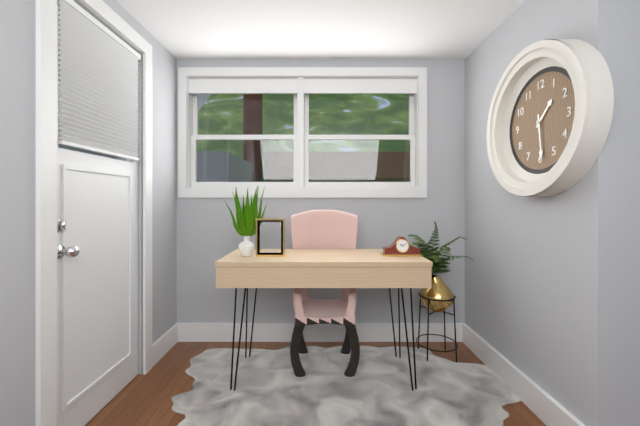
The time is 1,29
